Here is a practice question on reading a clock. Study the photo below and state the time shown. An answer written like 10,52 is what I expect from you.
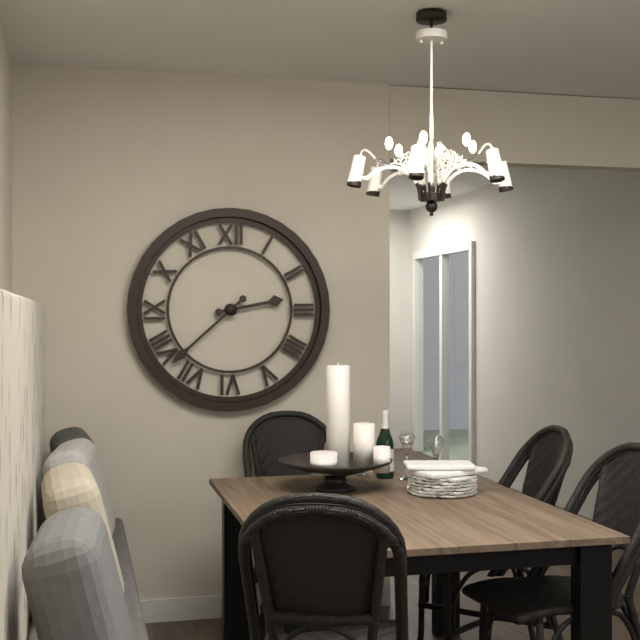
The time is 2,38
